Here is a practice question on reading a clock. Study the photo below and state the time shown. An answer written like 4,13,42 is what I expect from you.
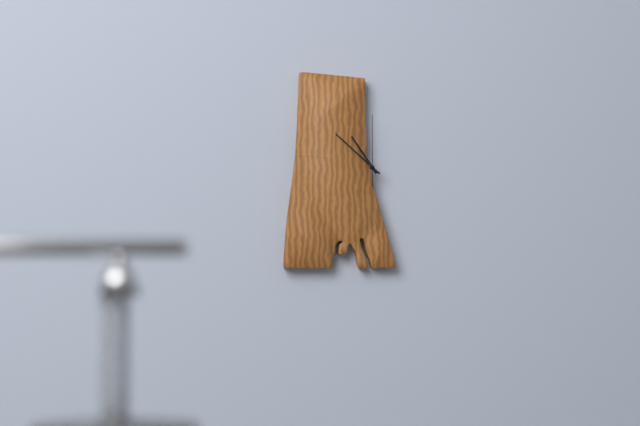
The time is 10,52,00
